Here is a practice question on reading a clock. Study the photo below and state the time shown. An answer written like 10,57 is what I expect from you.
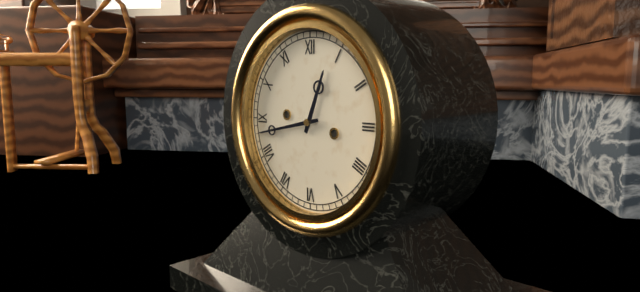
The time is 12,43
